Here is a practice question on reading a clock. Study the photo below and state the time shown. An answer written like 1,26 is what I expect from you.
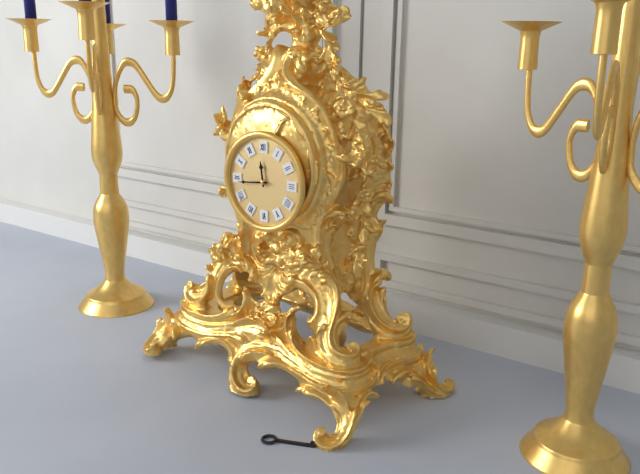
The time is 11,44
